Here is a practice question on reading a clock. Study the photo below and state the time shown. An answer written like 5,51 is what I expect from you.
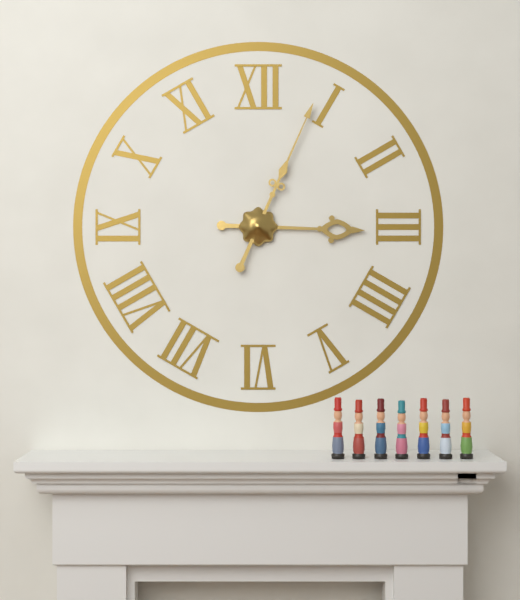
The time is 3,04
